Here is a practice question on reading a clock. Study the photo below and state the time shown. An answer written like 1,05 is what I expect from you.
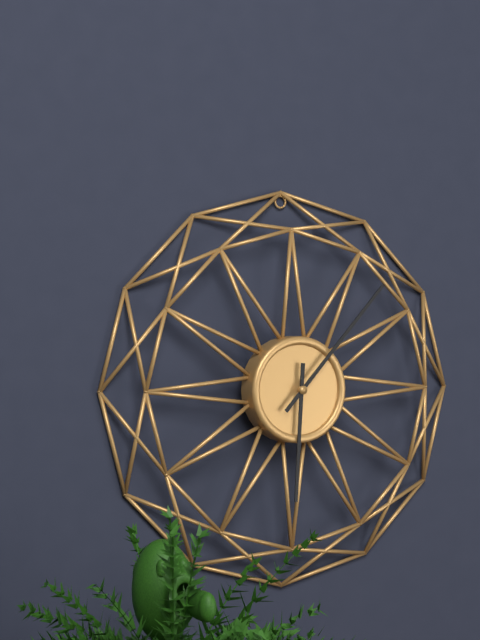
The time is 6,07
